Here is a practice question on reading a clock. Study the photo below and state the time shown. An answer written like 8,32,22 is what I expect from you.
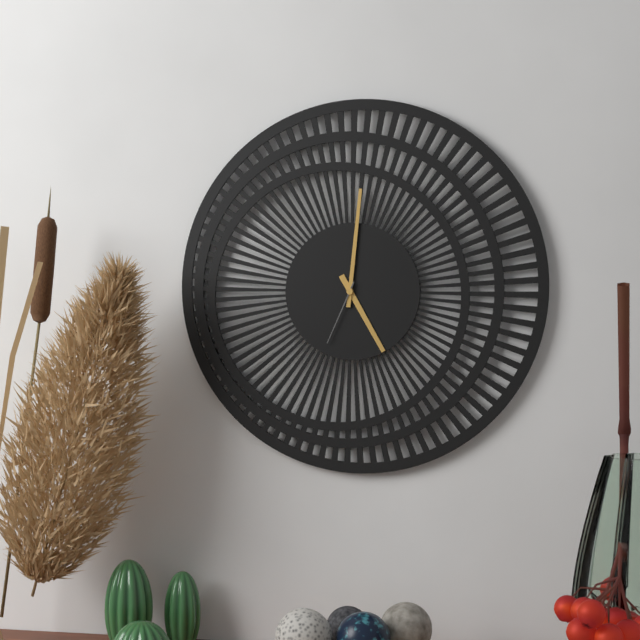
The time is 5,01,34
